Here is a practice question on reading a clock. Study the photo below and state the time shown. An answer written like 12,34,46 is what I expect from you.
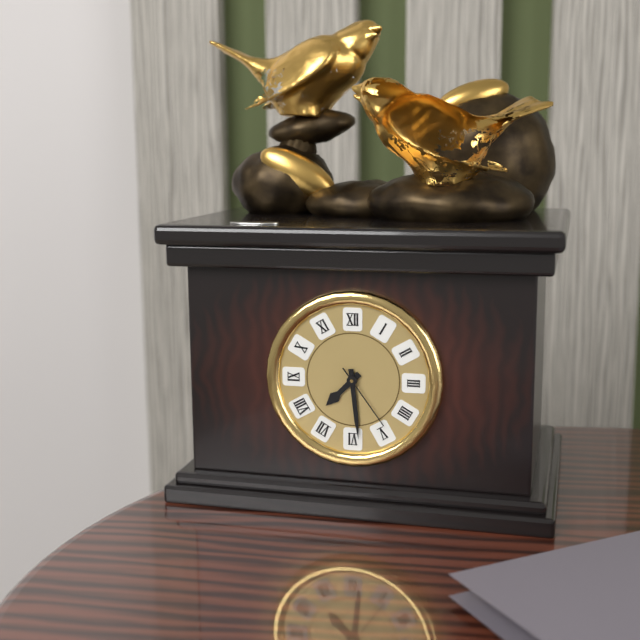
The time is 7,29,24
